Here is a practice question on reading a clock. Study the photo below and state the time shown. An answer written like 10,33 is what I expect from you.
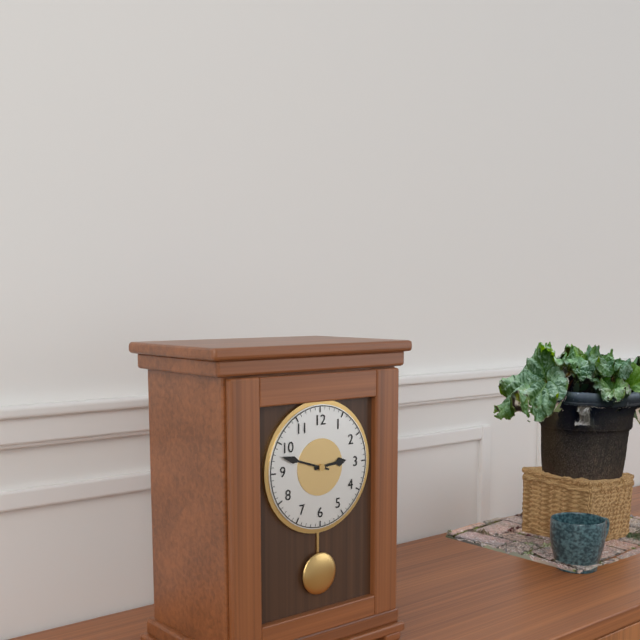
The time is 2,48
